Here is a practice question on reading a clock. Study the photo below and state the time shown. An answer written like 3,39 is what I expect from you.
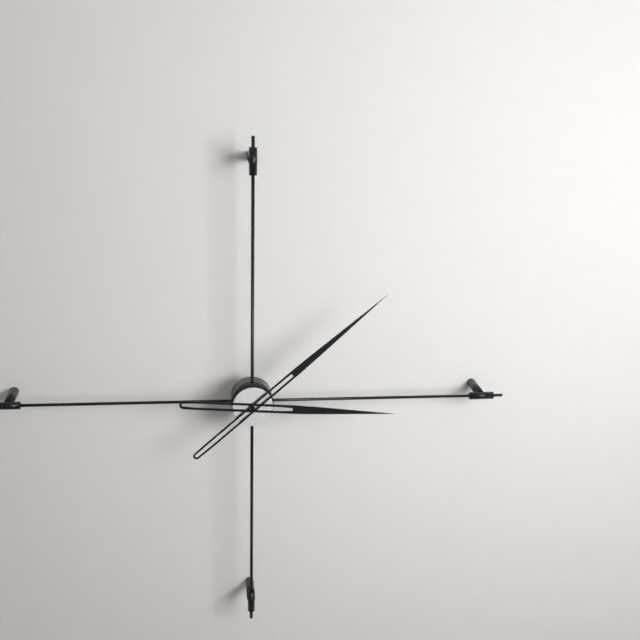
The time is 3,08
